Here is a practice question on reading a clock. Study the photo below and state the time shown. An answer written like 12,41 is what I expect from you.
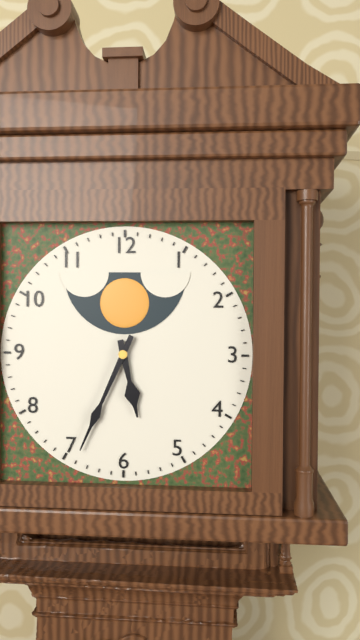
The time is 5,34
